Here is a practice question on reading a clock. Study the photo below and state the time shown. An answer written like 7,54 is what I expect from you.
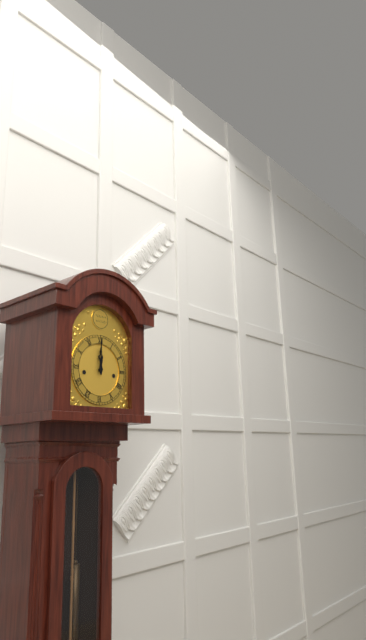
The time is 12,00
